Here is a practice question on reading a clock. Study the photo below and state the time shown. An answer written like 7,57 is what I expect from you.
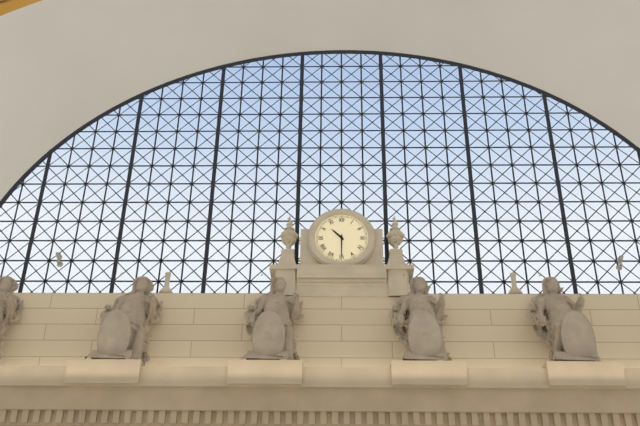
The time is 10,30
